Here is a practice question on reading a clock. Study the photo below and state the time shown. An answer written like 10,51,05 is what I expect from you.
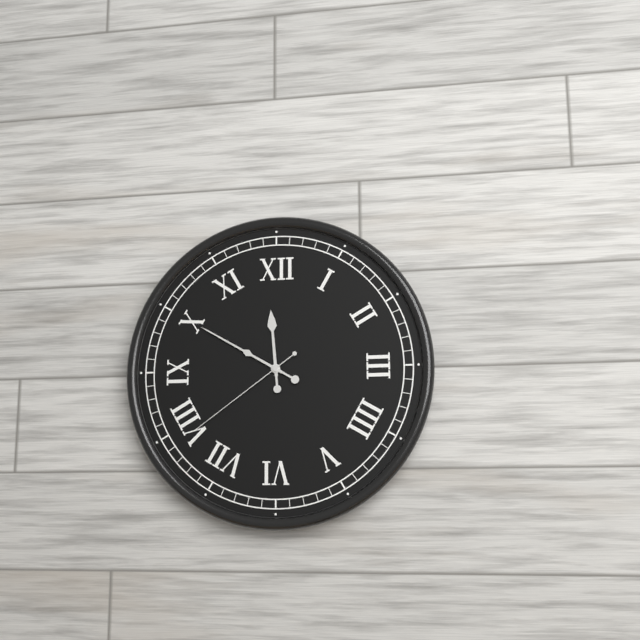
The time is 11,50,39
